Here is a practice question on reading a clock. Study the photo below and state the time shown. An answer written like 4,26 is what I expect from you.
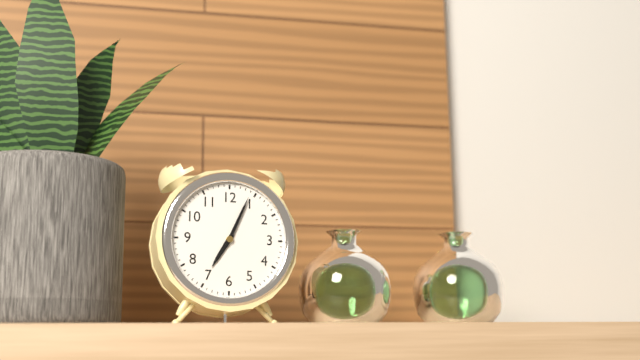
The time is 7,04
